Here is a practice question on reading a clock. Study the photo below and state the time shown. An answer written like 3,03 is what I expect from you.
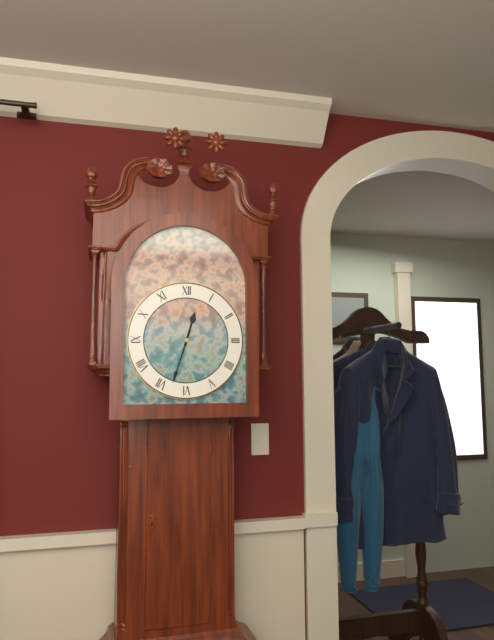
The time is 12,33
